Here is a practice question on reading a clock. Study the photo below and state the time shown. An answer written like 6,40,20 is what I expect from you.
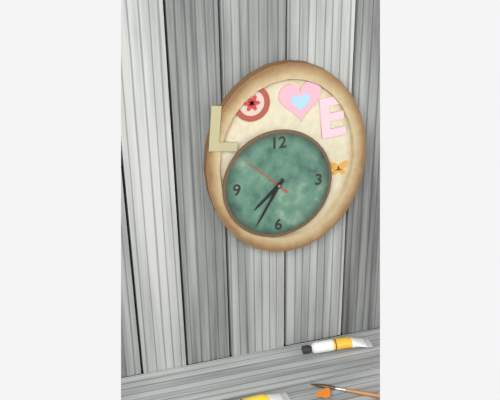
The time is 7,35,52
